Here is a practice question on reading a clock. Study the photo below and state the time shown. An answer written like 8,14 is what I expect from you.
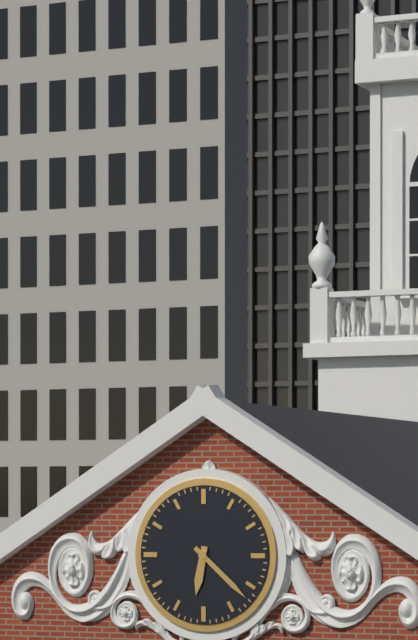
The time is 6,22
